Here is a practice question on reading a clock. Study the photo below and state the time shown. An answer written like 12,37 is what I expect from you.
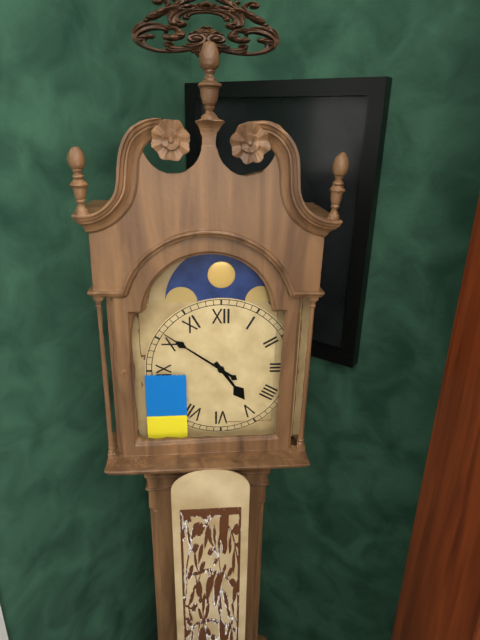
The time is 4,51
